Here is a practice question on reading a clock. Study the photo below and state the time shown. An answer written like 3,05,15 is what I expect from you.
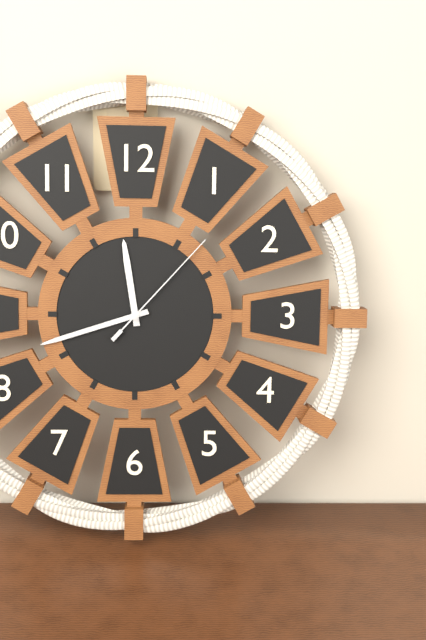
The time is 11,42,07
